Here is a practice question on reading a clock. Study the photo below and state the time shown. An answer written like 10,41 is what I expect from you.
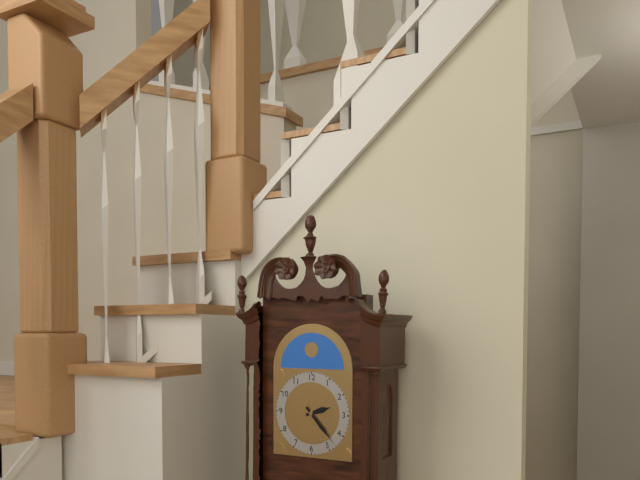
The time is 2,23
